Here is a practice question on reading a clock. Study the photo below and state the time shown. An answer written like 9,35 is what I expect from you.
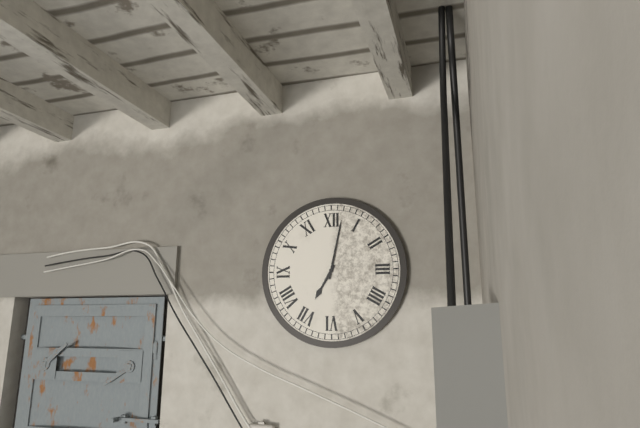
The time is 7,02
